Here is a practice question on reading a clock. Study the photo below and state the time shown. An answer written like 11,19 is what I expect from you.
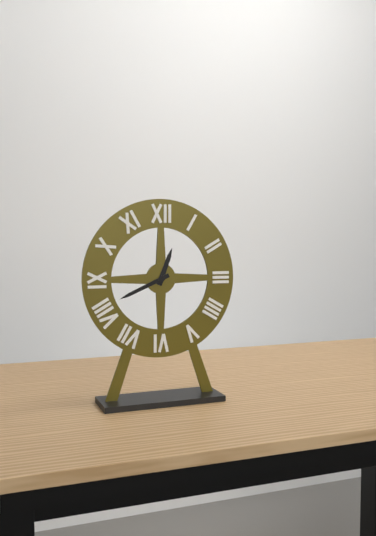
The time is 12,41
